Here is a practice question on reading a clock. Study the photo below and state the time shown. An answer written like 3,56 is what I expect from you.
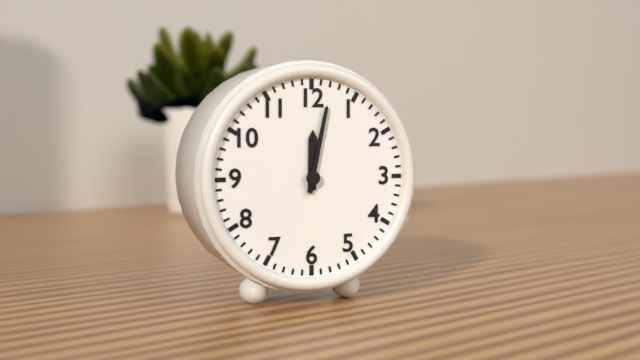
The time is 12,02
